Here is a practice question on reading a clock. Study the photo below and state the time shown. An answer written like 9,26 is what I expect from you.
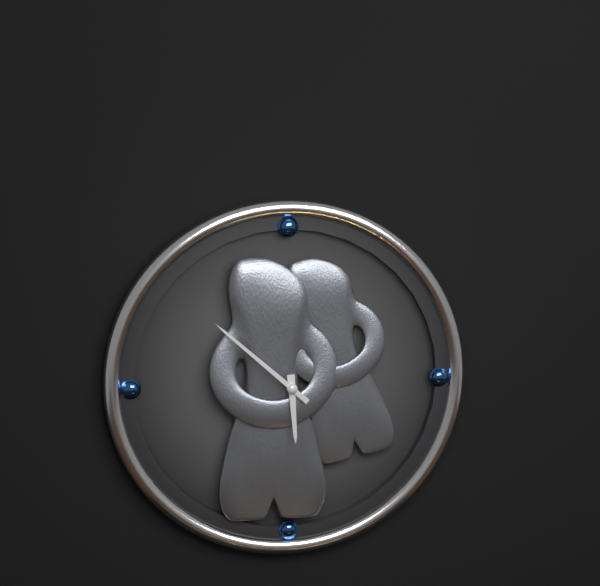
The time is 5,52
